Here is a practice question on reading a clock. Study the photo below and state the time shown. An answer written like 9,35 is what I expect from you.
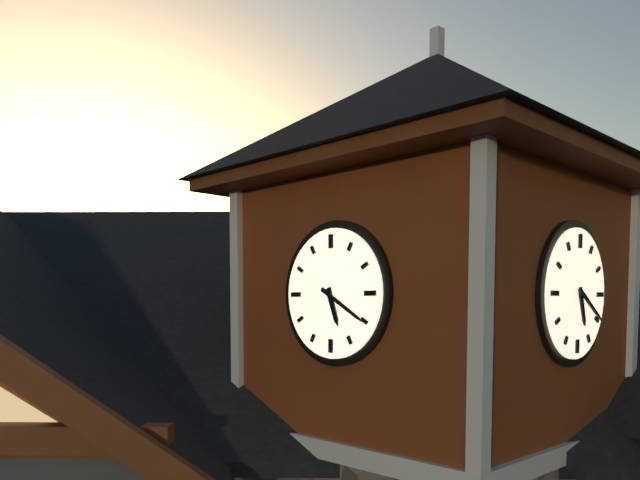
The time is 5,20
